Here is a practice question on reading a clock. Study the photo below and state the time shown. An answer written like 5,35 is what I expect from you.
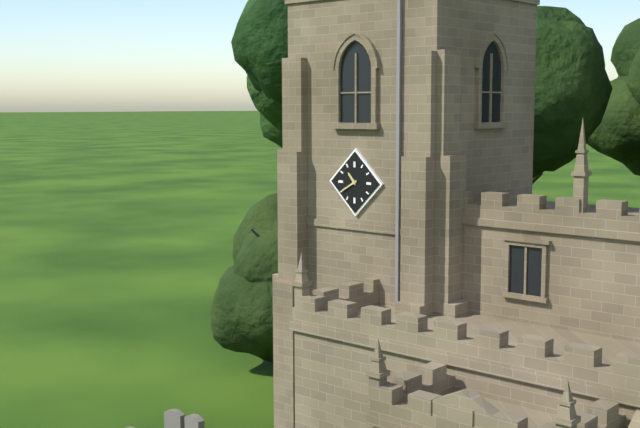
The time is 10,40
